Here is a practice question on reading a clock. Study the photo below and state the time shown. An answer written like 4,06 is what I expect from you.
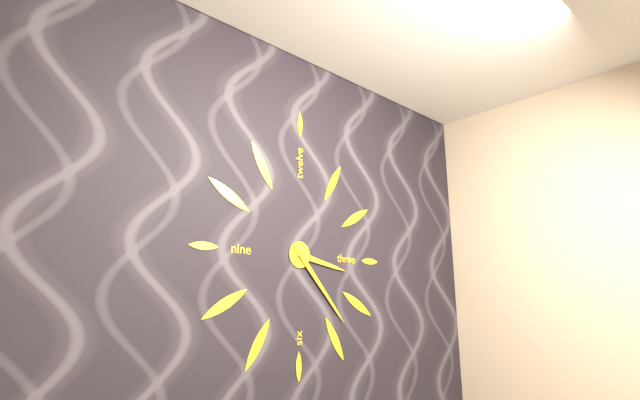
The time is 3,23
